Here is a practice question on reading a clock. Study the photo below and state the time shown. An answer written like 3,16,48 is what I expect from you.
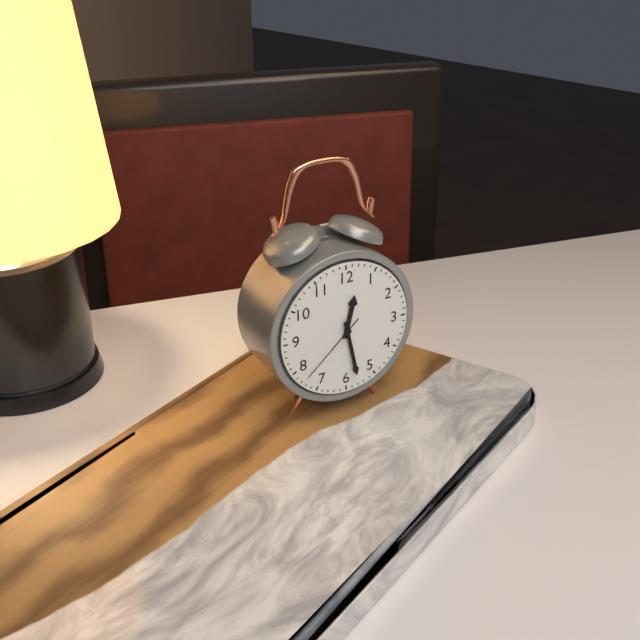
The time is 12,28,38
